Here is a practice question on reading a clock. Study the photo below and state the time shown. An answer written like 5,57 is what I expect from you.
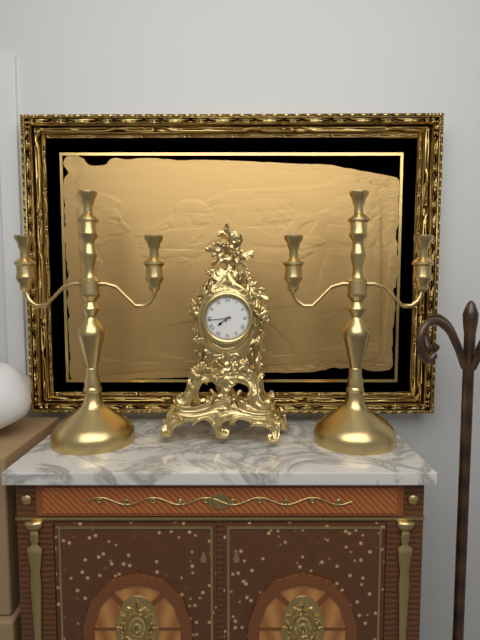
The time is 7,44
